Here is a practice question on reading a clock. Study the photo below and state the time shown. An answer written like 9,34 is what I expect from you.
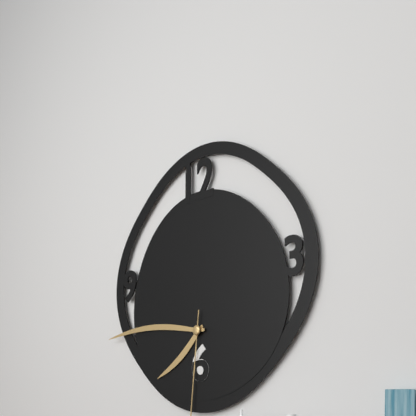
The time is 7,45
